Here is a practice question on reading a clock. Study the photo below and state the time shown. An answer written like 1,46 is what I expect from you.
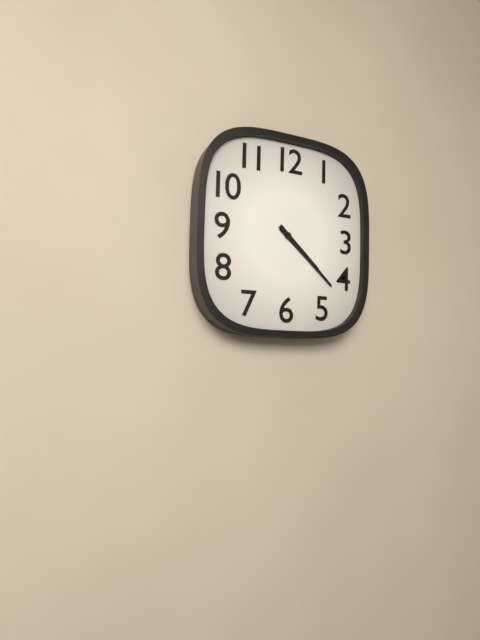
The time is 4,22
